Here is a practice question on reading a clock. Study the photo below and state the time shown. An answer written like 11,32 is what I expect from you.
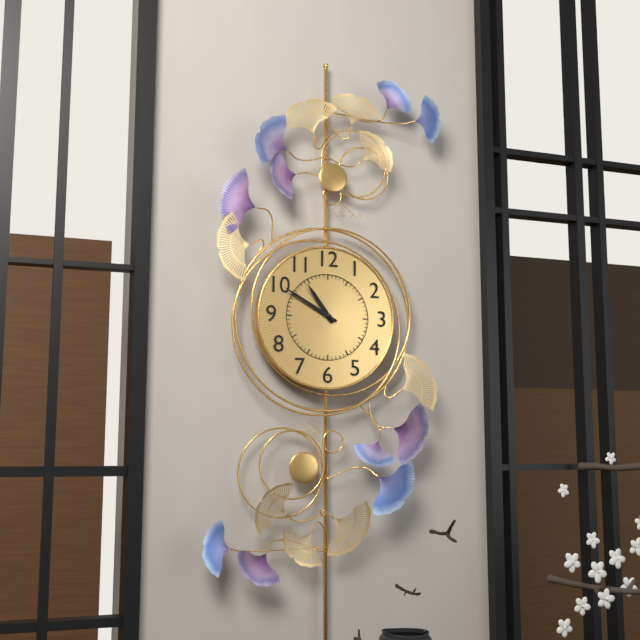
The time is 10,50
